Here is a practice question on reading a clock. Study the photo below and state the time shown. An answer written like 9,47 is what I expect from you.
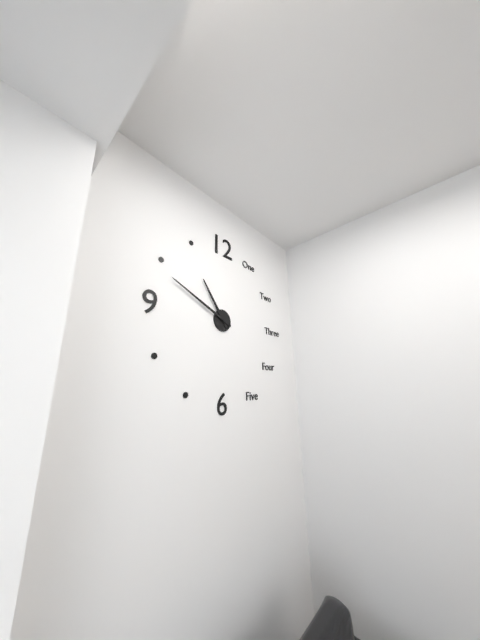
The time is 10,49
